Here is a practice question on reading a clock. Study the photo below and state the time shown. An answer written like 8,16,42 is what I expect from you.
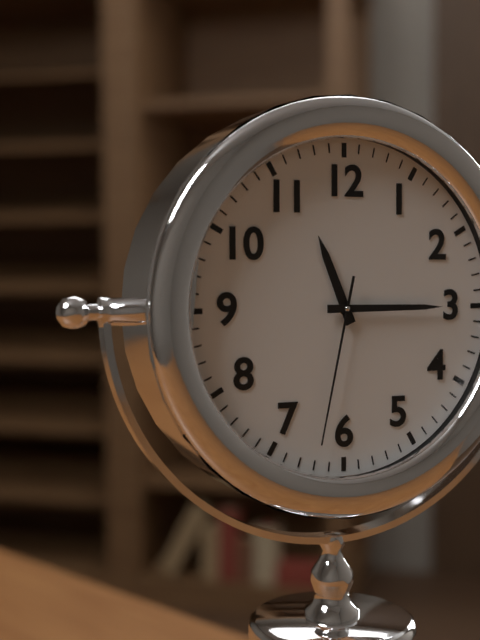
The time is 11,15,32
